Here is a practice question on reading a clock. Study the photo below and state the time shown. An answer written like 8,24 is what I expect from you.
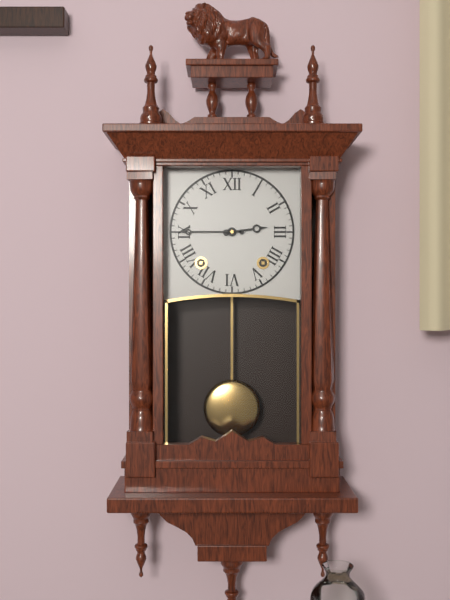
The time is 2,45
